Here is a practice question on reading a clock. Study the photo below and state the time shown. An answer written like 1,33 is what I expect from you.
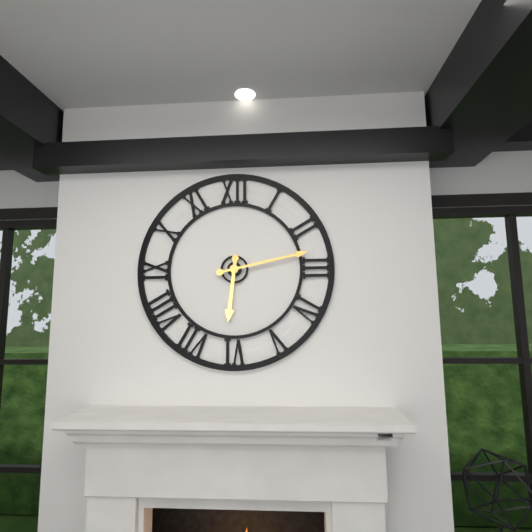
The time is 6,13
